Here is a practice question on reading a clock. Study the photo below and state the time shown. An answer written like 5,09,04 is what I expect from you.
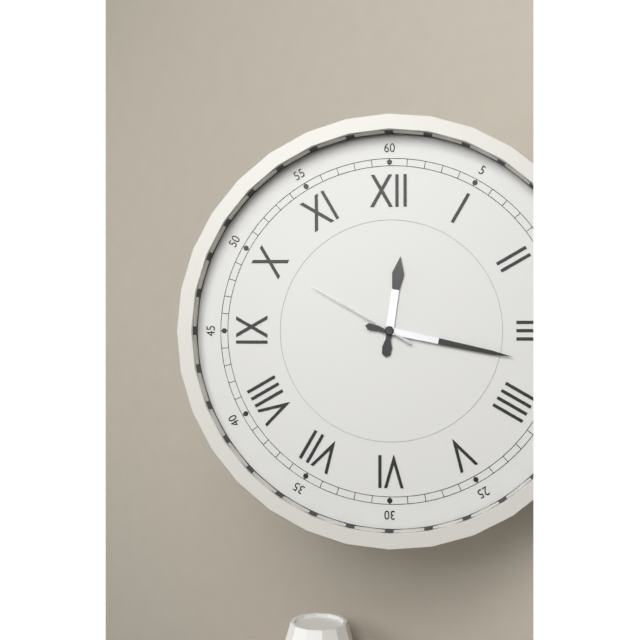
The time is 12,17,50
